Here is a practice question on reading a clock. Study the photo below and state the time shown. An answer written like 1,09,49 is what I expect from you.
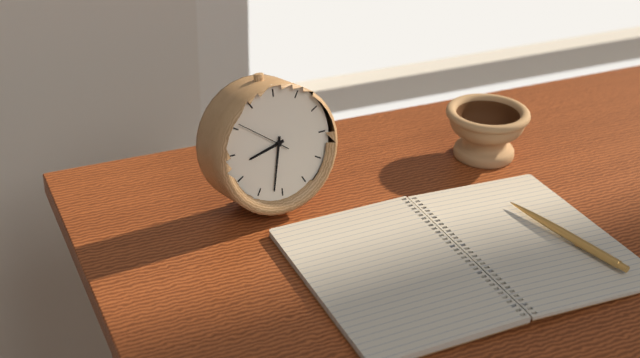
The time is 8,32,51
